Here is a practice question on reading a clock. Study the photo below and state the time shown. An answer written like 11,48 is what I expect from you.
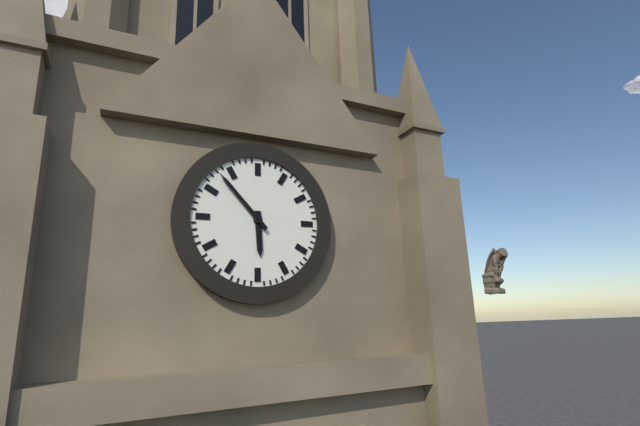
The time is 5,53
